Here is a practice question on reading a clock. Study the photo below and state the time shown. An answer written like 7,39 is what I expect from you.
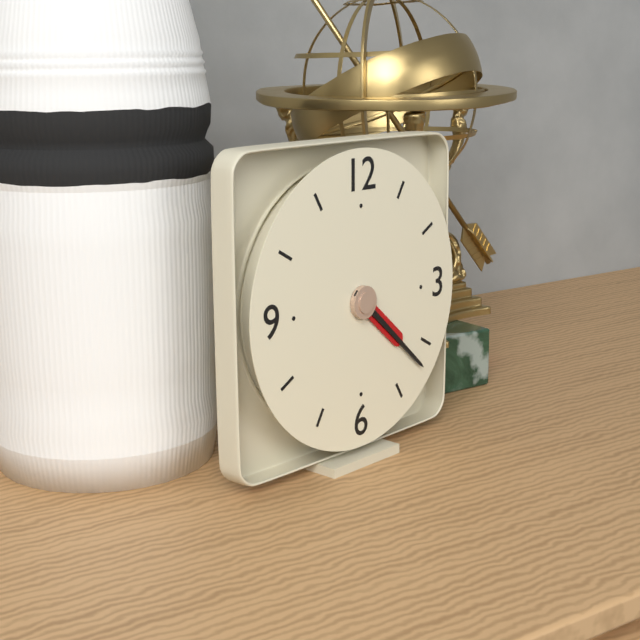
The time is 4,22
